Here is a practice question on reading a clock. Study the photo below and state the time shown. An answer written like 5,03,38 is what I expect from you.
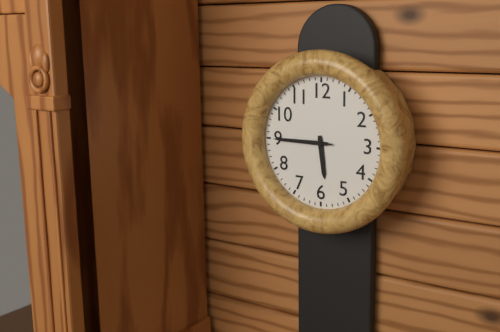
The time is 5,45,45
